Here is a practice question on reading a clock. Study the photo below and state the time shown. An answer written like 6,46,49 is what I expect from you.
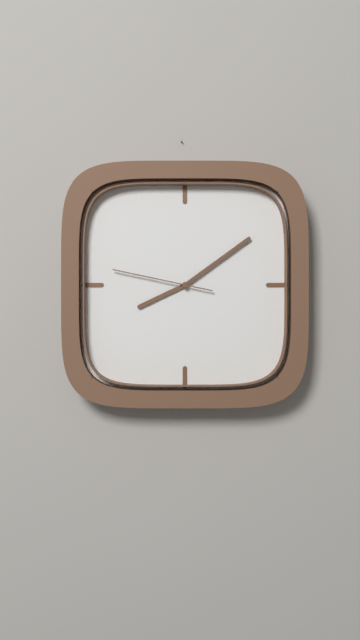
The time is 8,09,47
